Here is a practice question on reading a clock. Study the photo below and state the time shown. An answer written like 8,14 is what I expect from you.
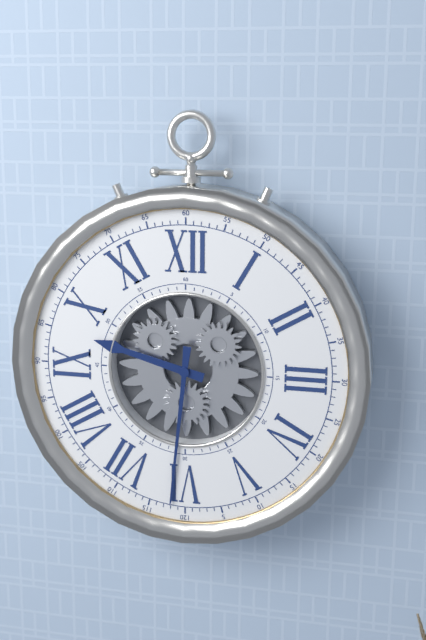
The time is 9,31
